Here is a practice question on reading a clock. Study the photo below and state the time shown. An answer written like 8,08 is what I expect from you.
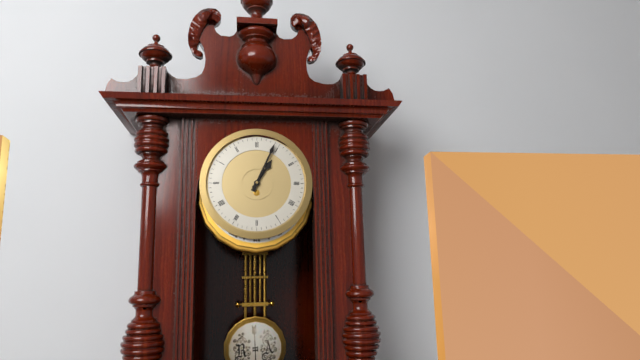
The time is 1,04
